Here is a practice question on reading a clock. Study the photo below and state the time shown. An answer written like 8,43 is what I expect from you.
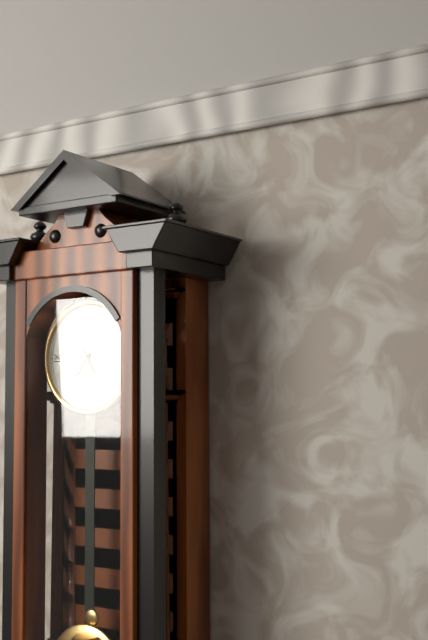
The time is 7,25
